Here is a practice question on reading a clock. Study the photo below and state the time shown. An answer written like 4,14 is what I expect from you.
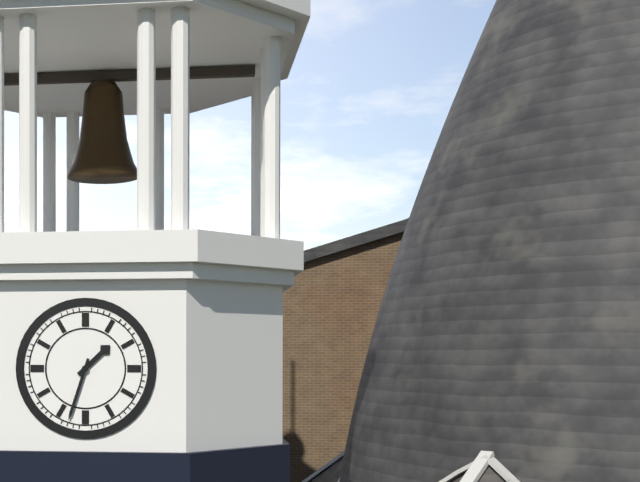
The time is 1,33
